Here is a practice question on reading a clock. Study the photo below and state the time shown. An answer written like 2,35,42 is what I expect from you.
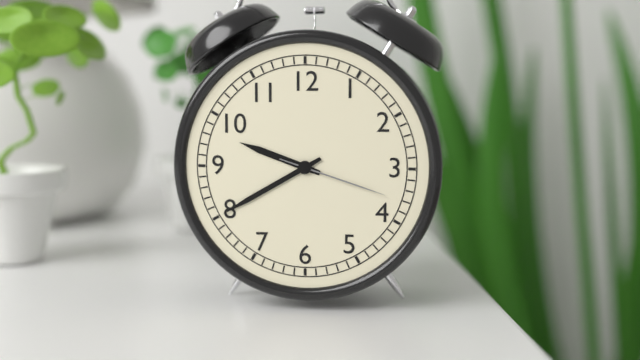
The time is 9,40,18
